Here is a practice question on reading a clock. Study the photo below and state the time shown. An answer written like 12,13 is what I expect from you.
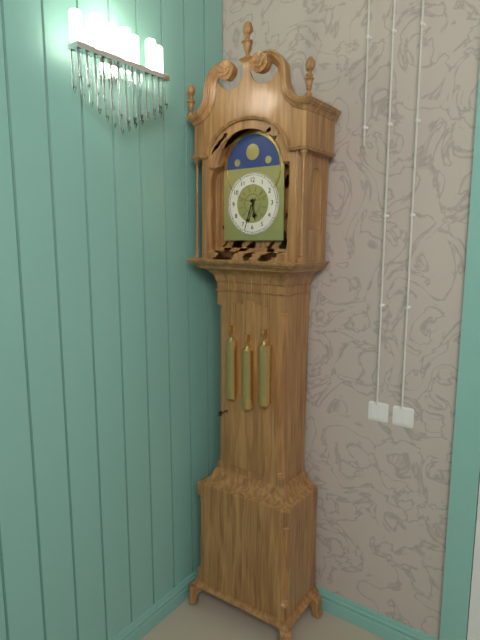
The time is 5,33
